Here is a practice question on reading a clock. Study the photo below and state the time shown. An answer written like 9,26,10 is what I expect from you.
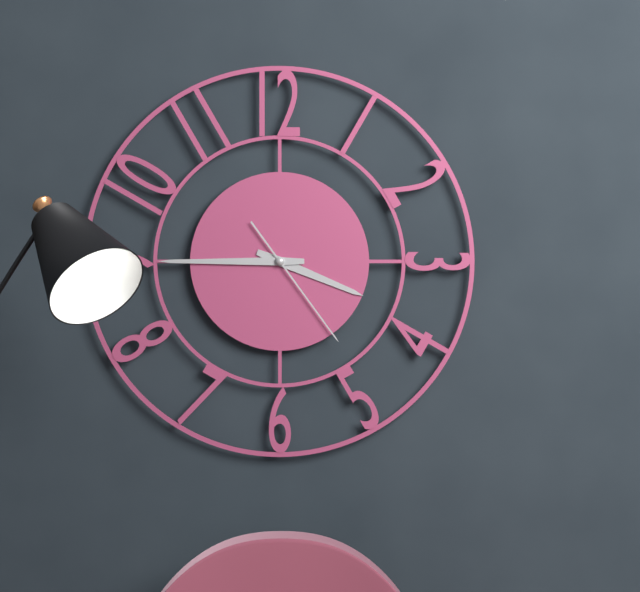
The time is 3,45,24
